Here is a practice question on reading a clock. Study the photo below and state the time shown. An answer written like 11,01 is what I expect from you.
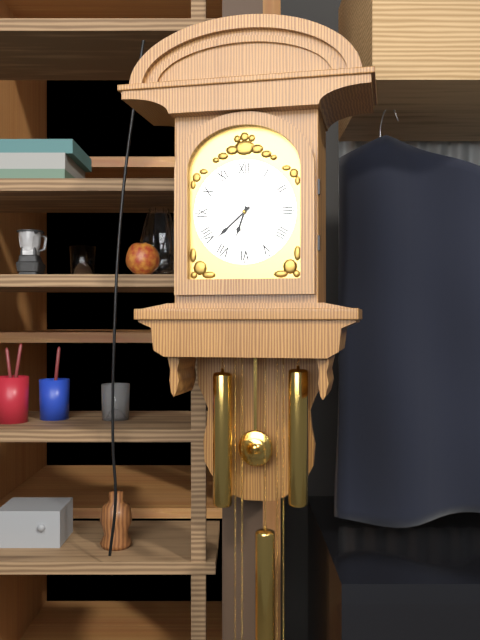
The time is 6,38
